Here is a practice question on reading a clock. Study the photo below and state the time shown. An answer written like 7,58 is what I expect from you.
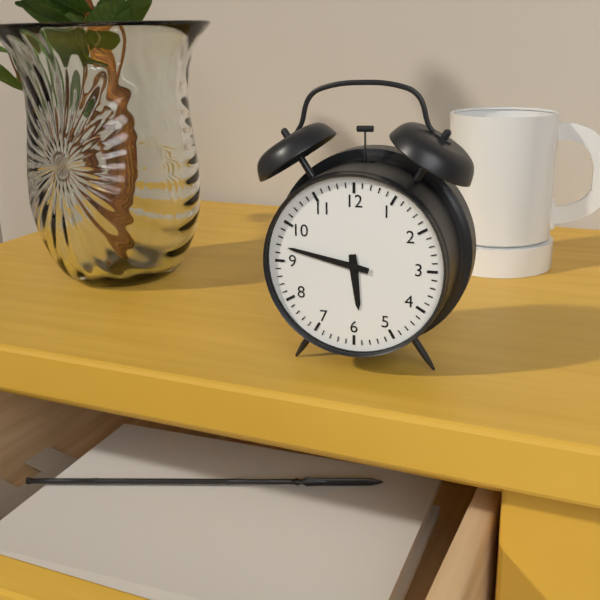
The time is 5,47
